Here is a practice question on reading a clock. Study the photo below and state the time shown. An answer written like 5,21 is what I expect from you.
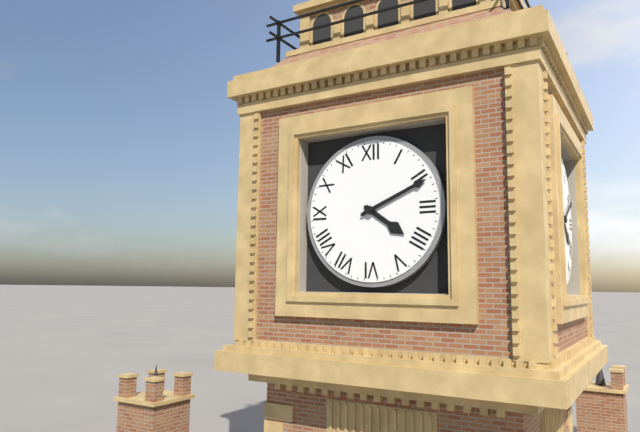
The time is 4,11
